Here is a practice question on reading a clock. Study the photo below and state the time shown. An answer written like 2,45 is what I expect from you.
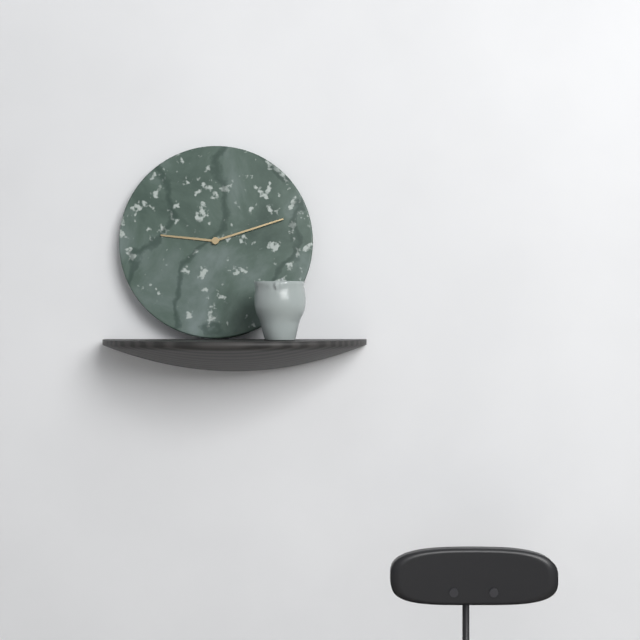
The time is 9,12
